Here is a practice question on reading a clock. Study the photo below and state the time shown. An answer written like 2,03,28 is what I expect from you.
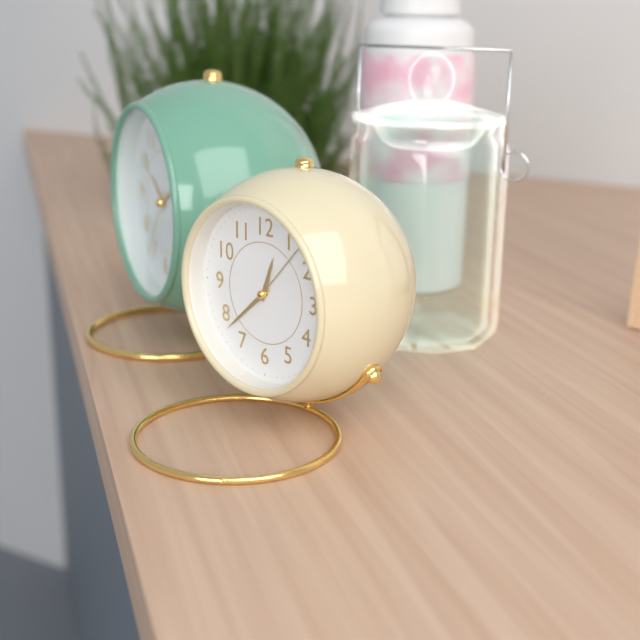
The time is 12,38,07
